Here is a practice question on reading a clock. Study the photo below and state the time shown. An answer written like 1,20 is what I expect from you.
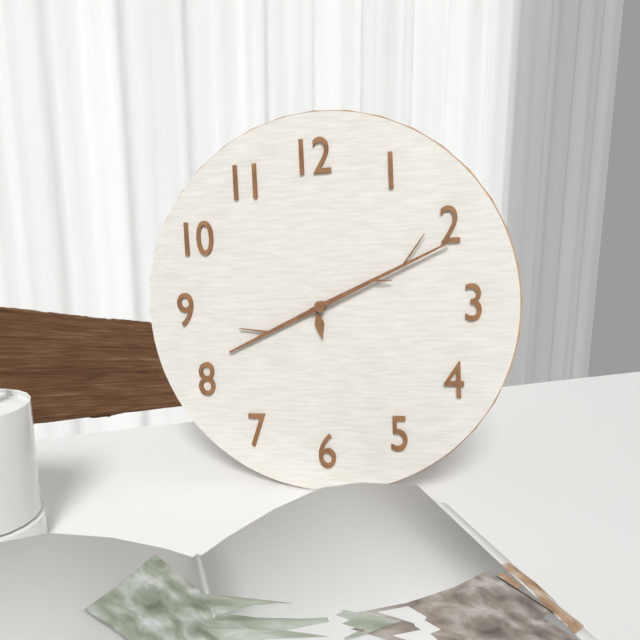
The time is 8,11
